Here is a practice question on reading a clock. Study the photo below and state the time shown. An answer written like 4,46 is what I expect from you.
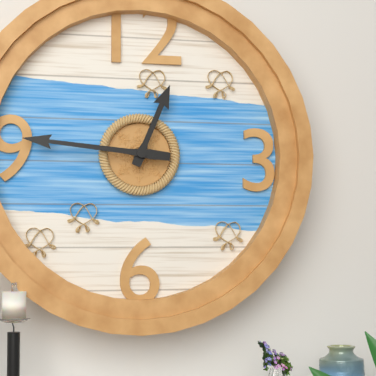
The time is 12,46
